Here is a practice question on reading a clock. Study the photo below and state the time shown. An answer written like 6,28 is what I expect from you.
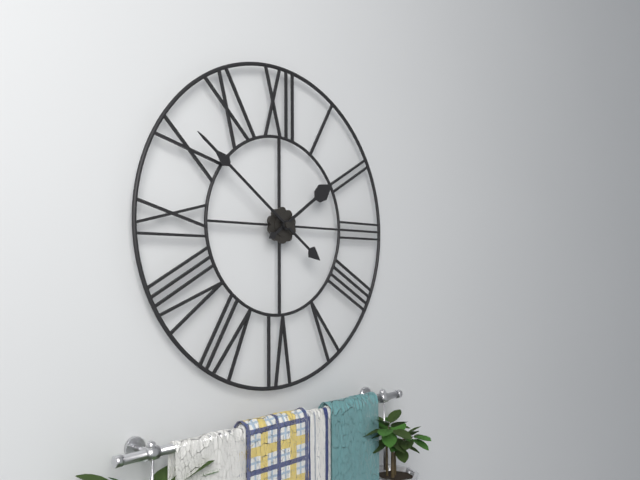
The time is 1,51
